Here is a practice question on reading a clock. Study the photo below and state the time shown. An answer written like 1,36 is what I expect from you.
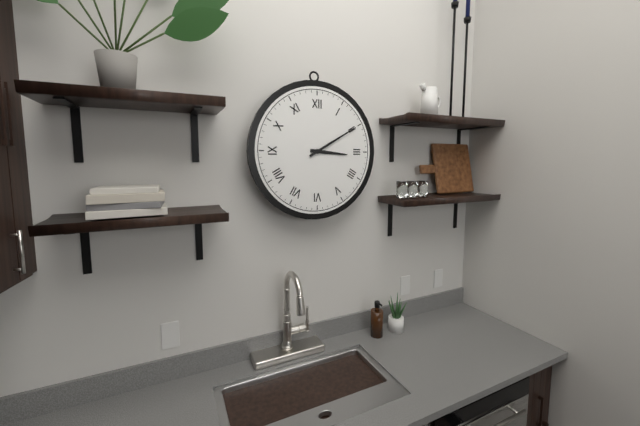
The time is 3,10
